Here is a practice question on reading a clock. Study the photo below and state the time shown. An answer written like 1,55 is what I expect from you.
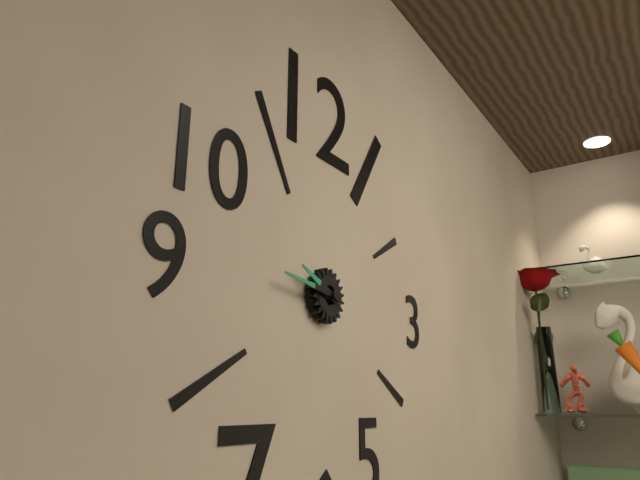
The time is 9,46
